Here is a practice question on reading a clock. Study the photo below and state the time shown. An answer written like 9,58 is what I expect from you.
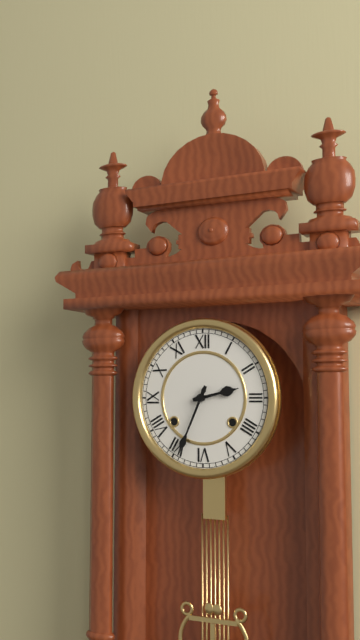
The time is 2,34
